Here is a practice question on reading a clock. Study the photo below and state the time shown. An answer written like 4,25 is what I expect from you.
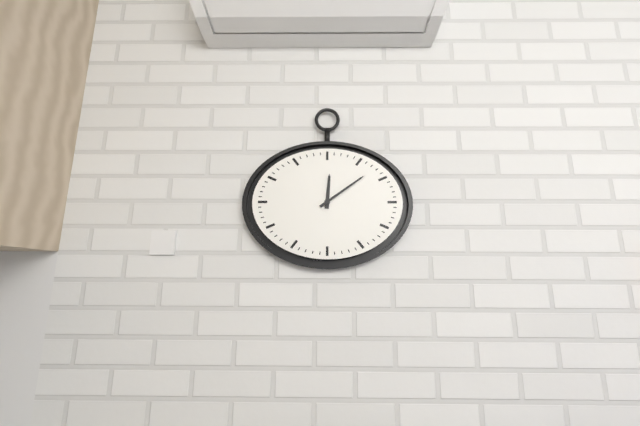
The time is 12,09
